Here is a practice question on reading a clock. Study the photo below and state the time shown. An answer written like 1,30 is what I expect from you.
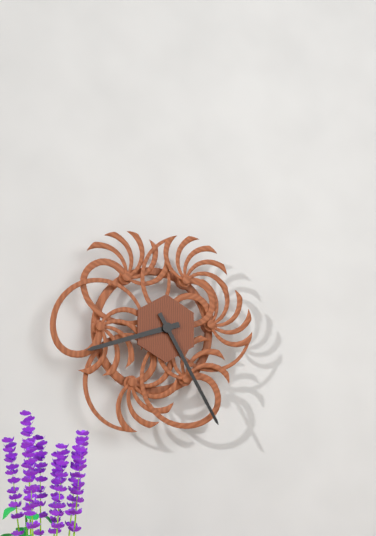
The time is 8,25
